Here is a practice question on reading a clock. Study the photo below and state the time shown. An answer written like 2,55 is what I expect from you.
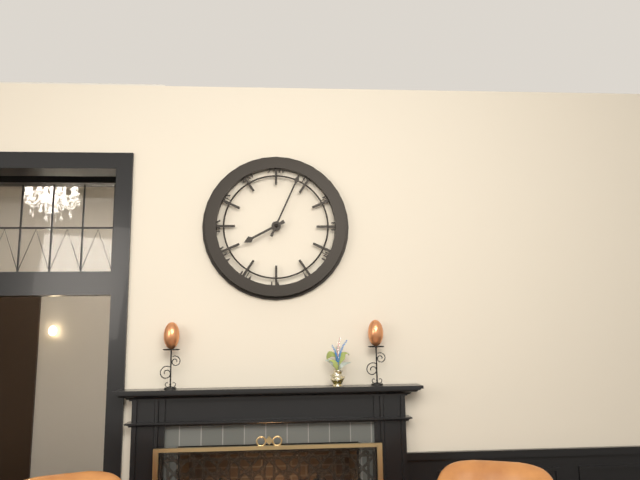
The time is 8,04
